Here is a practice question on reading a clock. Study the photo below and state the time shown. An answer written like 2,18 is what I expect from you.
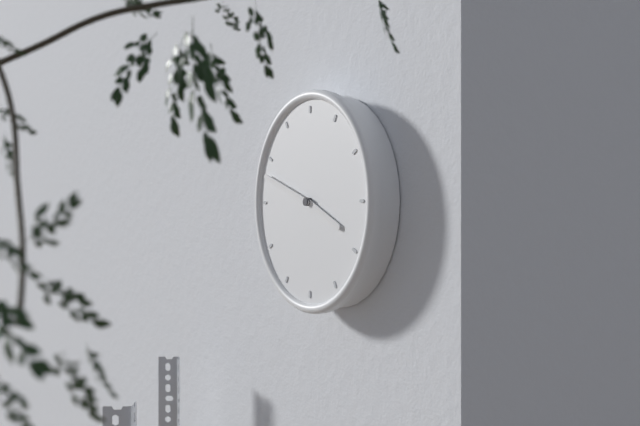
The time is 3,48
